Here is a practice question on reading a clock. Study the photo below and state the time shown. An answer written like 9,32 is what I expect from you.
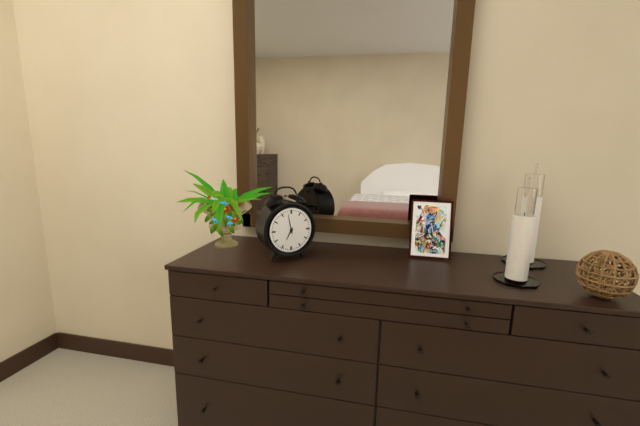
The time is 6,58
